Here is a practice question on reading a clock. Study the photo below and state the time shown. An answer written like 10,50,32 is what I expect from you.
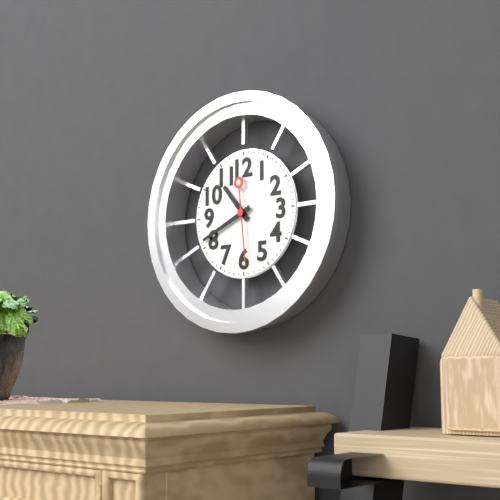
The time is 10,41,29
